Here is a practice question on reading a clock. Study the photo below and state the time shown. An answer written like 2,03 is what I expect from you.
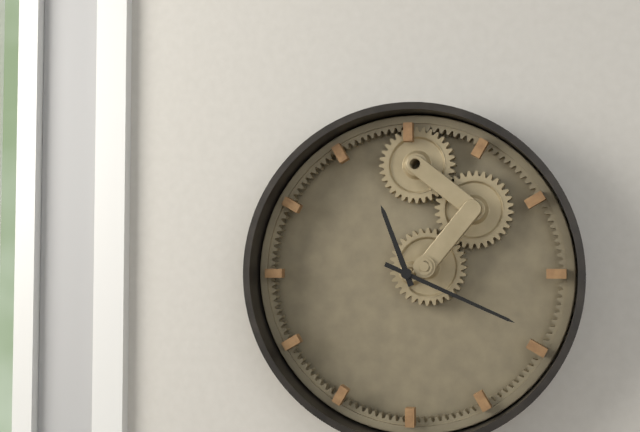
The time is 11,19
